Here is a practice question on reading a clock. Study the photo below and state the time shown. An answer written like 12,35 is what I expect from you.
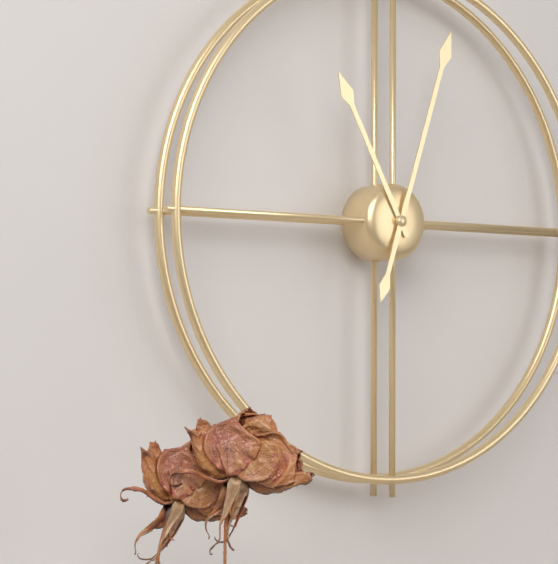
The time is 11,03
